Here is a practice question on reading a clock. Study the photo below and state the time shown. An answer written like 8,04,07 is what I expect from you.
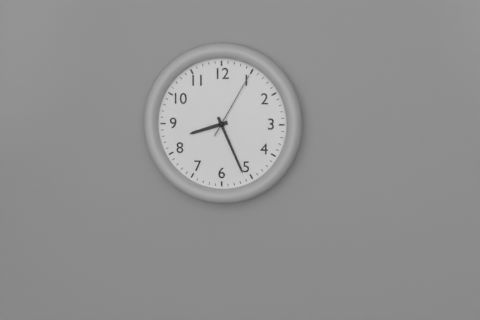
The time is 8,26,05
